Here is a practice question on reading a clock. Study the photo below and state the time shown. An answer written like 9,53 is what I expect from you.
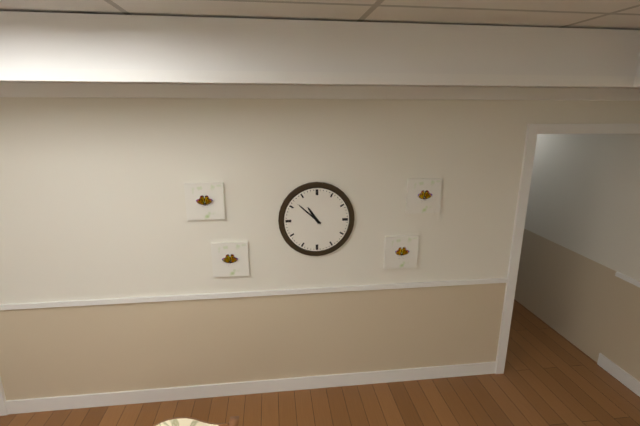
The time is 10,52
